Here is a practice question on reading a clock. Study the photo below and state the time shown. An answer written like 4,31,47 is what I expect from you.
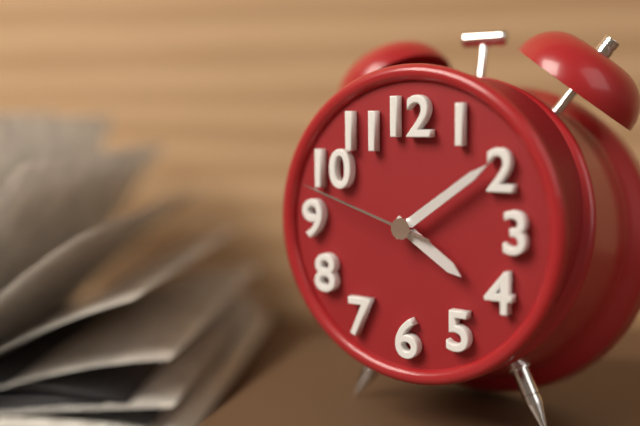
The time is 4,09,48
